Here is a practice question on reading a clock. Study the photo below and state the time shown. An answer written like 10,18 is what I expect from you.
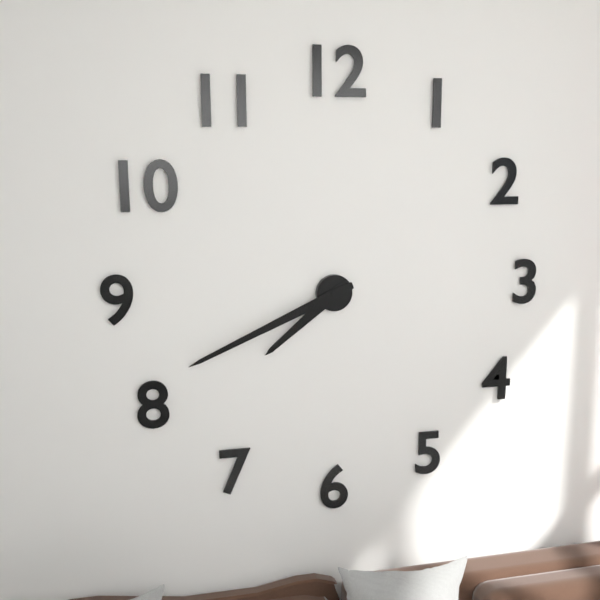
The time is 7,41
